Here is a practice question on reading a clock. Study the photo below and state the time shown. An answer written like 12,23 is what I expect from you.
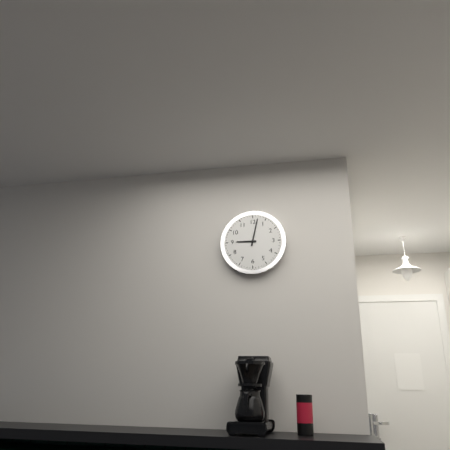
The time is 9,02
